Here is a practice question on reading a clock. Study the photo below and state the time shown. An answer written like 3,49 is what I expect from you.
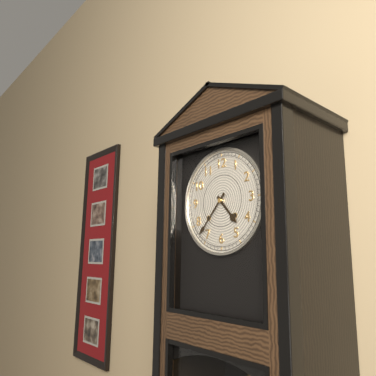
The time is 4,37
